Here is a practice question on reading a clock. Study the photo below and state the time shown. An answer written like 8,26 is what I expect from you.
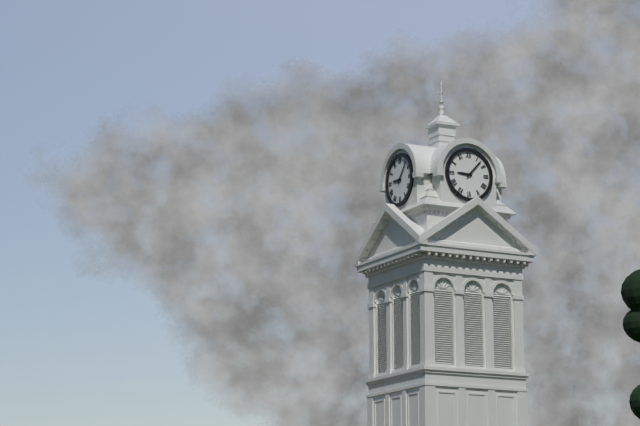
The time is 9,07
